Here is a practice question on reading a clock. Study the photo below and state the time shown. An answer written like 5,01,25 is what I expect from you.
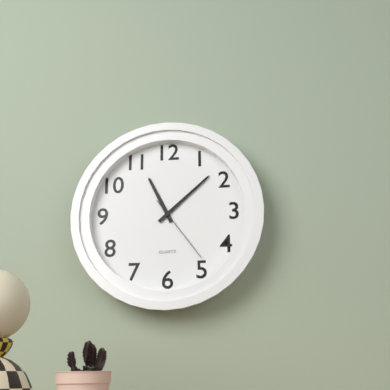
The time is 11,08,24
